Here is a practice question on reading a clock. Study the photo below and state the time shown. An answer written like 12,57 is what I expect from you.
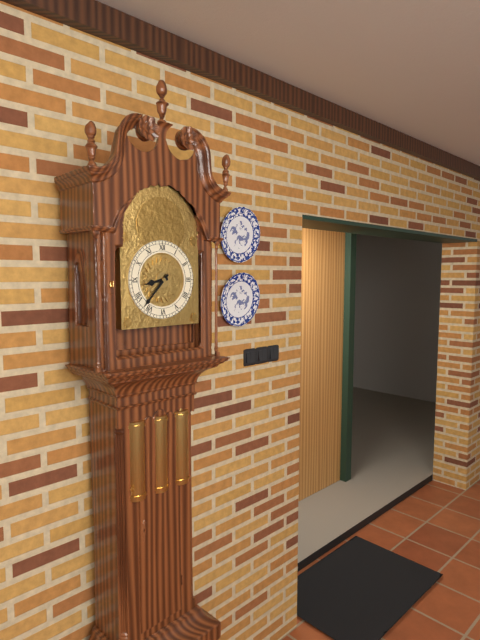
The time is 8,37
